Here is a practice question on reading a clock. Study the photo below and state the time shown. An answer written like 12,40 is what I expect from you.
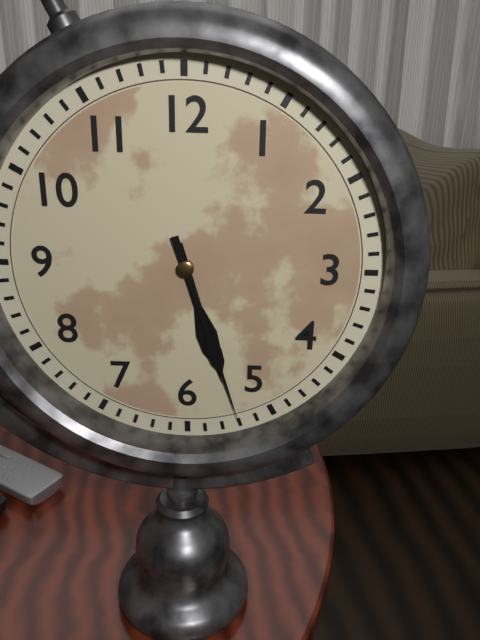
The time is 5,27
